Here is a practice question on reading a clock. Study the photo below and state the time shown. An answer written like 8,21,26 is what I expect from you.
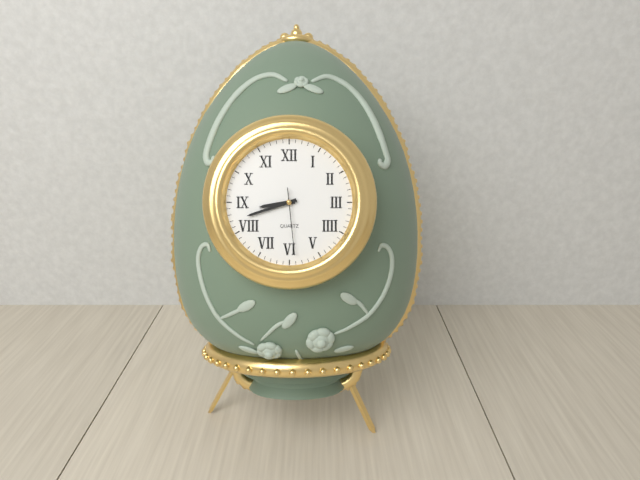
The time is 8,42,29
